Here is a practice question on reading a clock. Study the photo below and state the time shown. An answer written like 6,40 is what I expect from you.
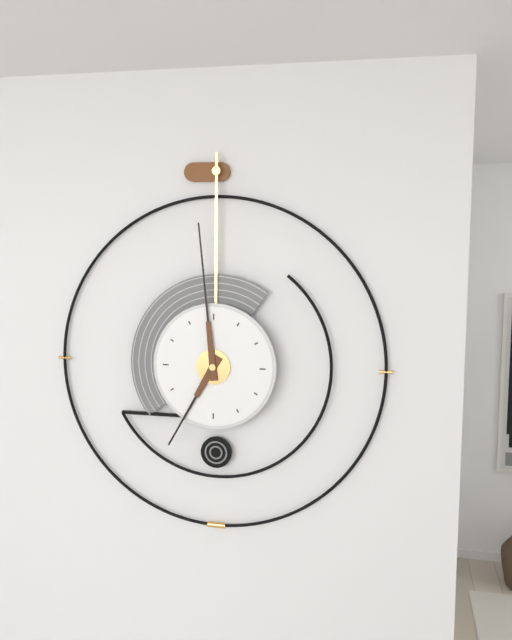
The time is 6,59
